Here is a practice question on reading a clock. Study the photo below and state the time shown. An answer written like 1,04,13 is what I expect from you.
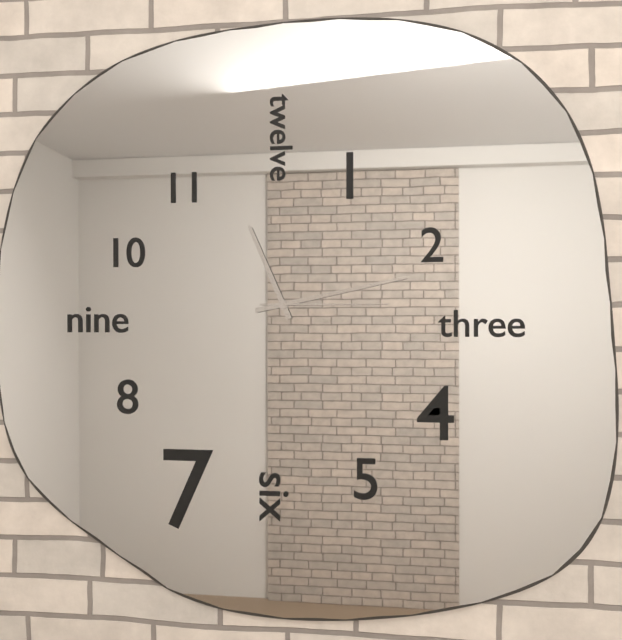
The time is 11,13,15
